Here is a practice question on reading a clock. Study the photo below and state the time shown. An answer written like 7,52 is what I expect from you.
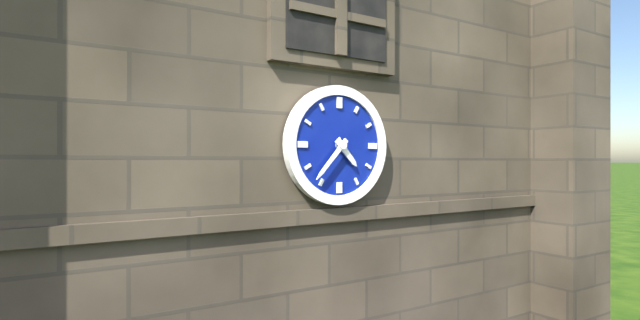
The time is 4,37
